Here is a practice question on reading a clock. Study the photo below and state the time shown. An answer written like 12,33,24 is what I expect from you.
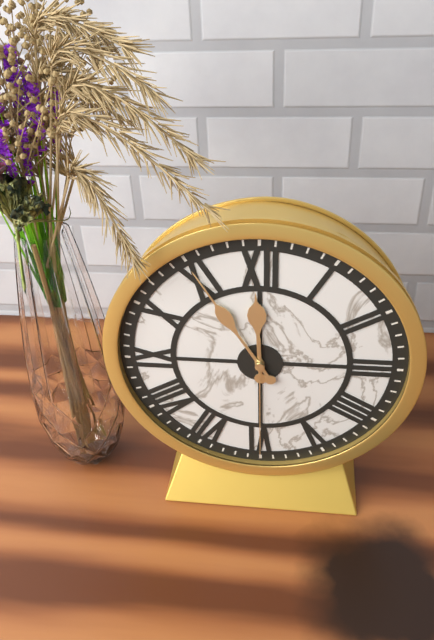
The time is 11,55,30
